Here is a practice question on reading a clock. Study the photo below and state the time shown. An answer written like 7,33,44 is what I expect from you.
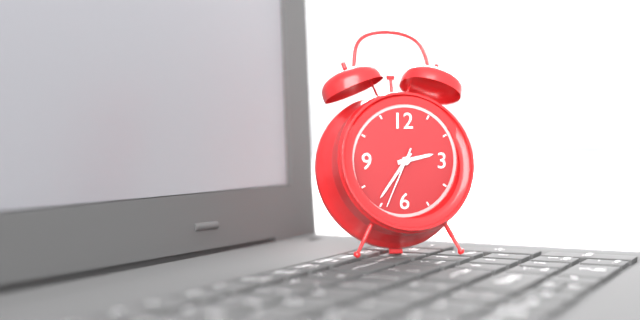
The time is 2,36,34
